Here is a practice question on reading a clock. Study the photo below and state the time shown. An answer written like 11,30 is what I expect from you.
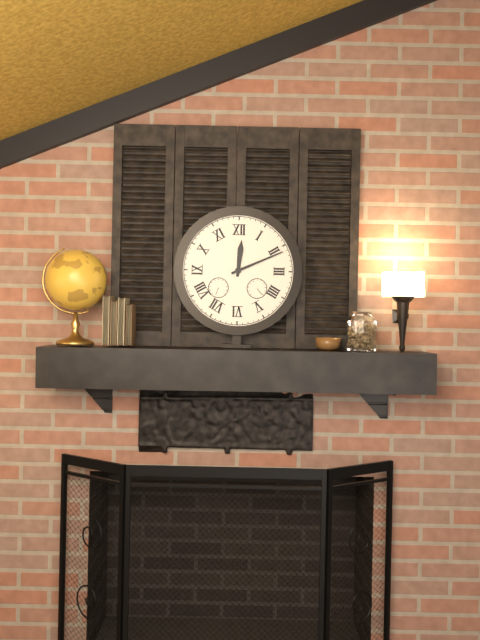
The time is 12,11
